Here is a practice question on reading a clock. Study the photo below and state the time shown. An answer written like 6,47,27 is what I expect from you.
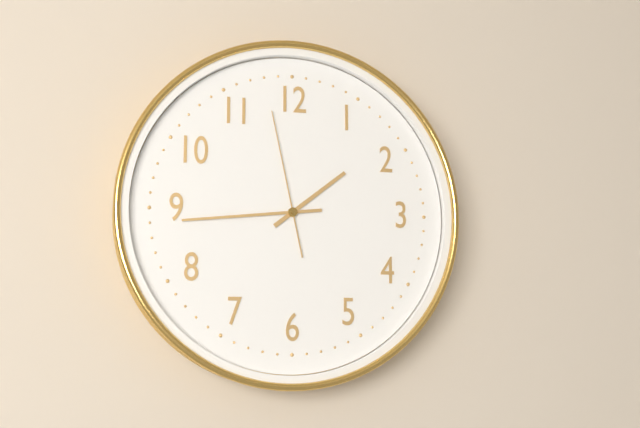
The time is 1,44,58
